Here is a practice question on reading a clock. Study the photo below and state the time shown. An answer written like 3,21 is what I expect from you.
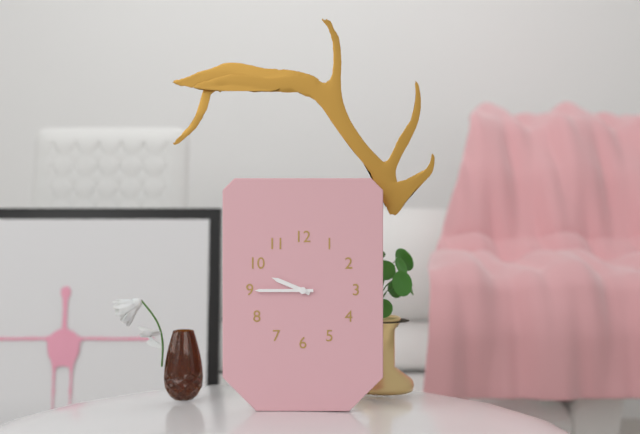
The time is 9,45
